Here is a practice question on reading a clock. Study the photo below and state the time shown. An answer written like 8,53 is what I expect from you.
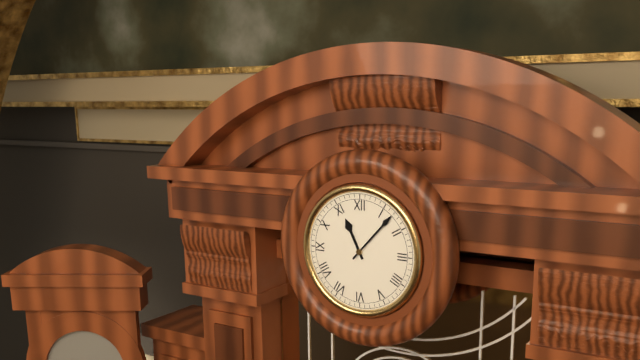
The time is 11,07
